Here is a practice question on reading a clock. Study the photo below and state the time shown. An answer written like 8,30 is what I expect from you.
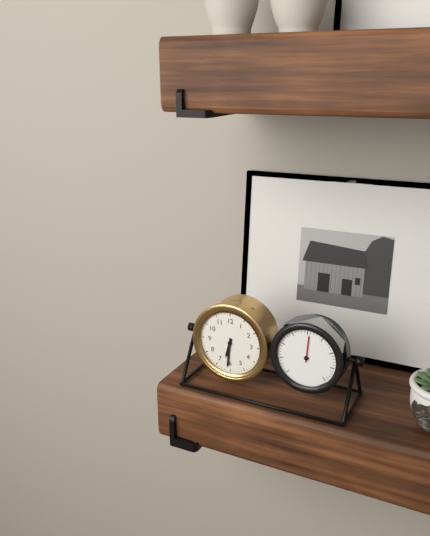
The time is 6,31
